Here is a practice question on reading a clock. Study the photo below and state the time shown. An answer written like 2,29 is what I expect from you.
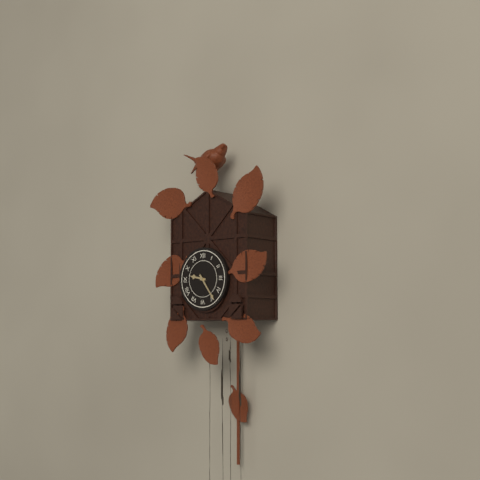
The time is 9,24
